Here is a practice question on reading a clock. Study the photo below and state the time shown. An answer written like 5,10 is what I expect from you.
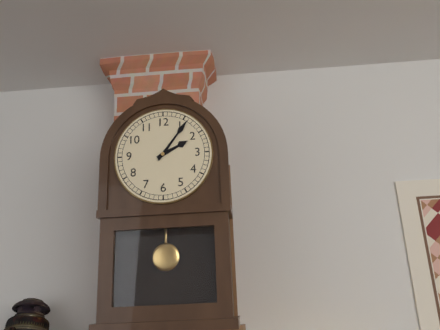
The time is 2,06
